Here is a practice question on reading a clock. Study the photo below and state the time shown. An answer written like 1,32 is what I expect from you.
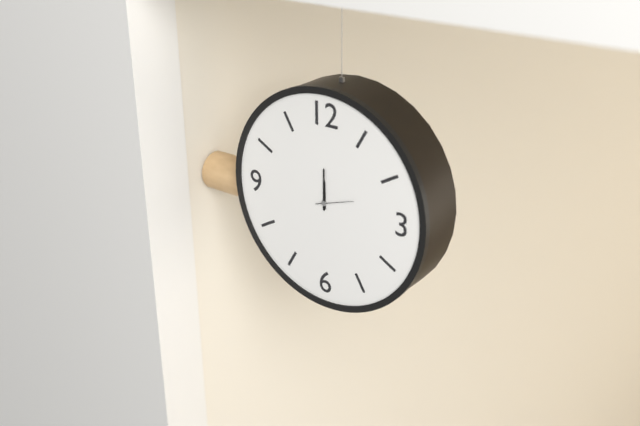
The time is 12,00
